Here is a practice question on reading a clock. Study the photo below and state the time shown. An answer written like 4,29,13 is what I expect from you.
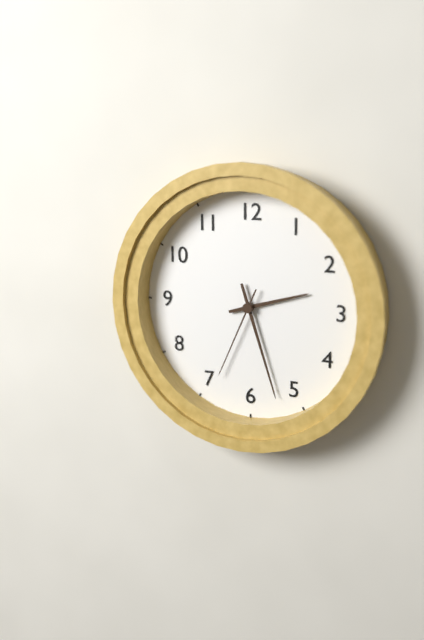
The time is 2,27,34
